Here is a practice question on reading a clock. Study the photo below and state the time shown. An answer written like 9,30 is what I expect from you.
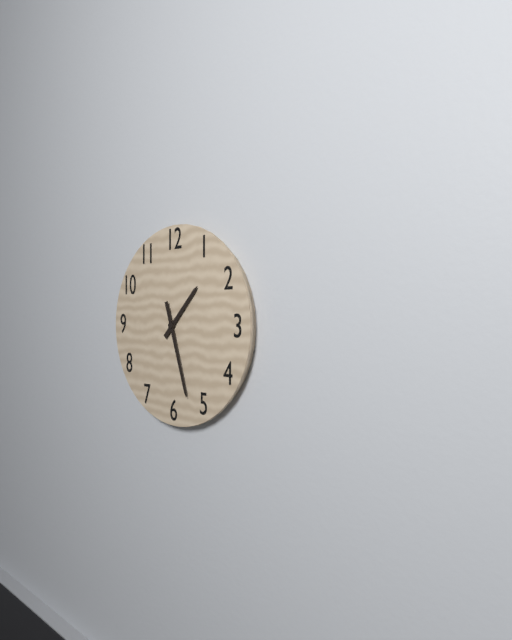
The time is 1,27
